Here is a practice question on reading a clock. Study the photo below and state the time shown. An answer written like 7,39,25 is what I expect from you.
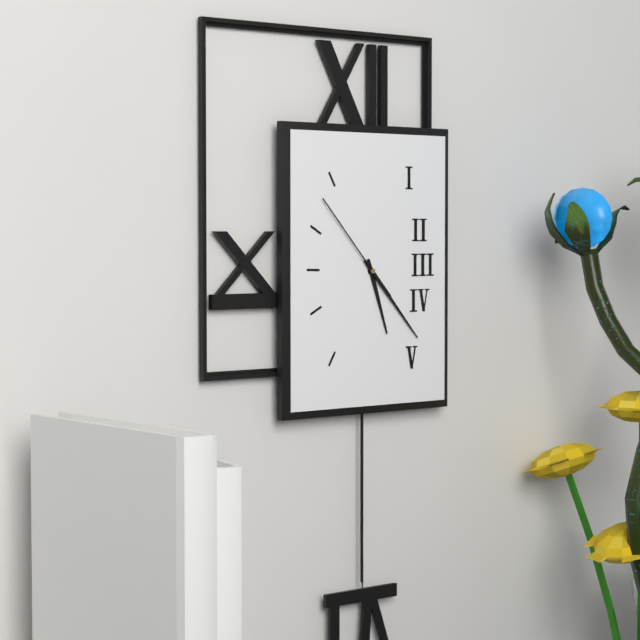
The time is 5,23,53
